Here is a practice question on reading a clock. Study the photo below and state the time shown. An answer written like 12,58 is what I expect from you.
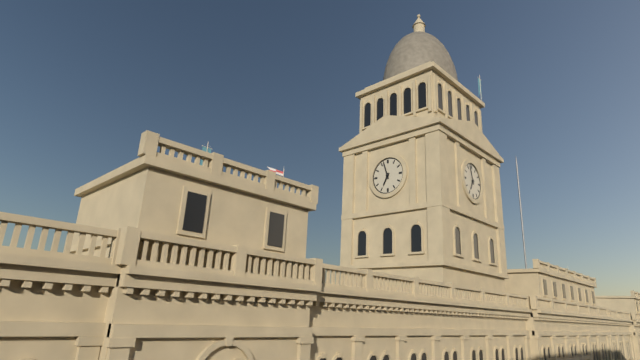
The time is 6,57
